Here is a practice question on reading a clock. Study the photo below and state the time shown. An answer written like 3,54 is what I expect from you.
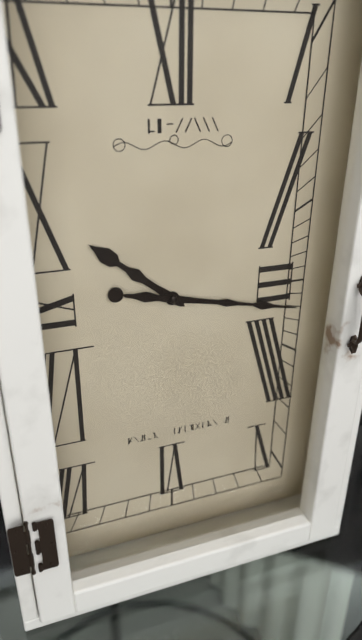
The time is 10,17
